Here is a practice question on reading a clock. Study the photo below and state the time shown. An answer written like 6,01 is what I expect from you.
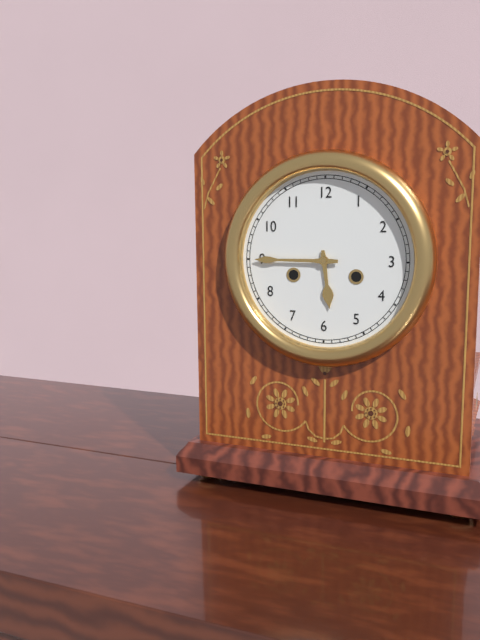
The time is 5,45
